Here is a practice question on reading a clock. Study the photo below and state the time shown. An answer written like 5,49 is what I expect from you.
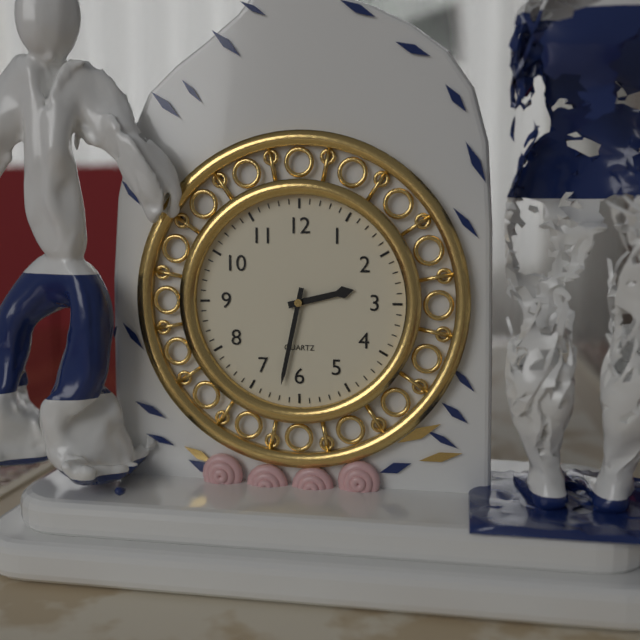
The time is 2,32
